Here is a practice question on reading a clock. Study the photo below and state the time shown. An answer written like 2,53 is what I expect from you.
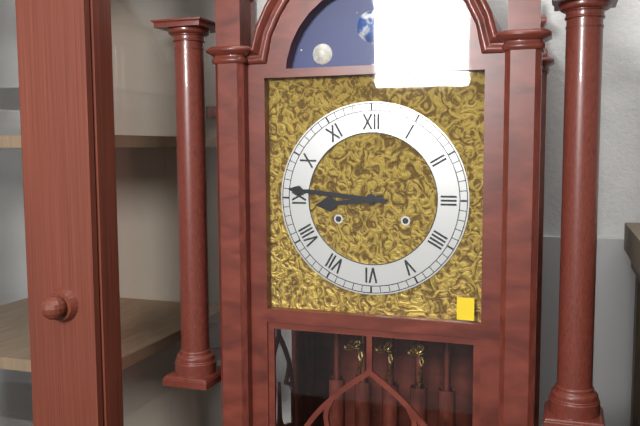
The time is 8,46
